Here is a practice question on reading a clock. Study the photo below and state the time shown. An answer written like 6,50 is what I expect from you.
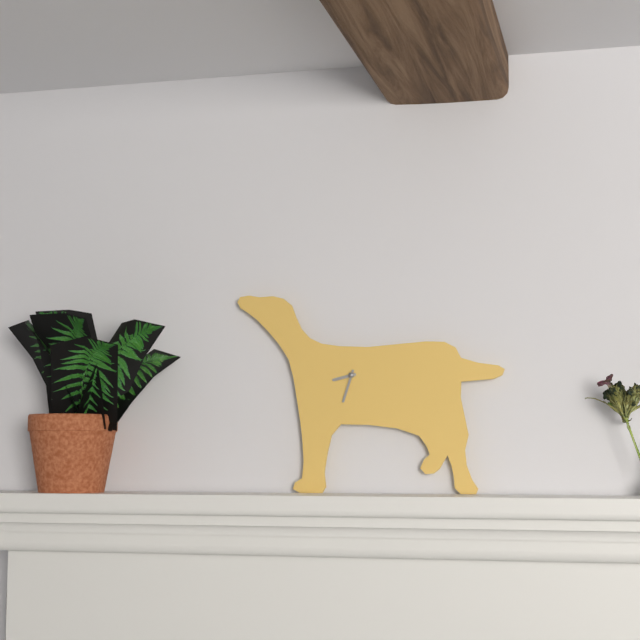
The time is 8,33
